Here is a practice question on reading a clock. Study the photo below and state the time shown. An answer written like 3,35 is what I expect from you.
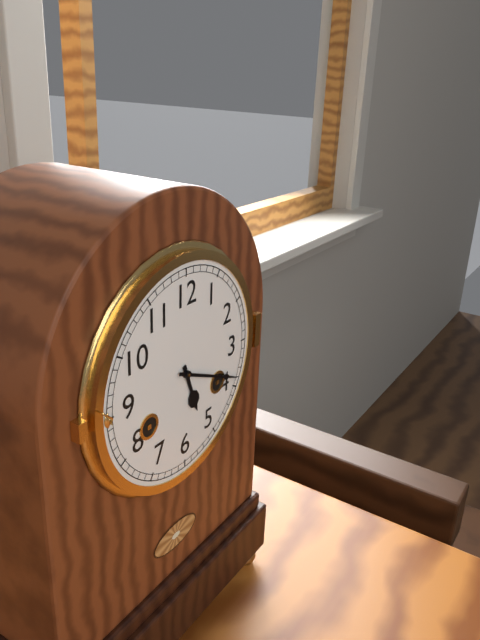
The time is 5,19
